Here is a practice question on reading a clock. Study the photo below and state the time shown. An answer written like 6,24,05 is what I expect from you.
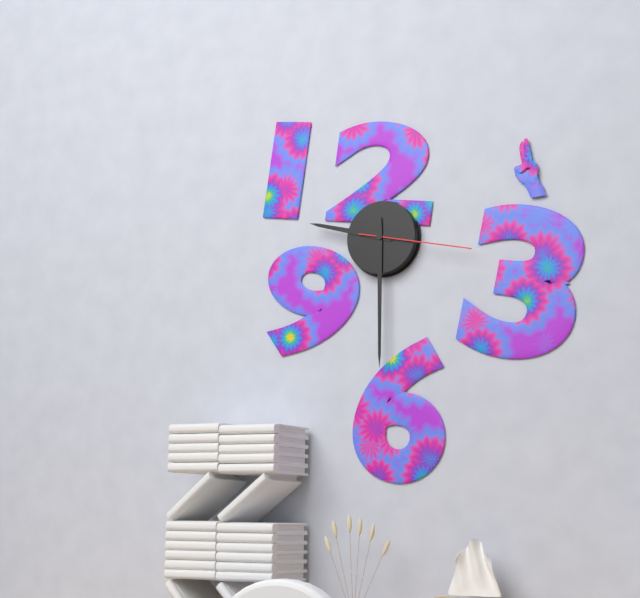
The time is 9,30,17
